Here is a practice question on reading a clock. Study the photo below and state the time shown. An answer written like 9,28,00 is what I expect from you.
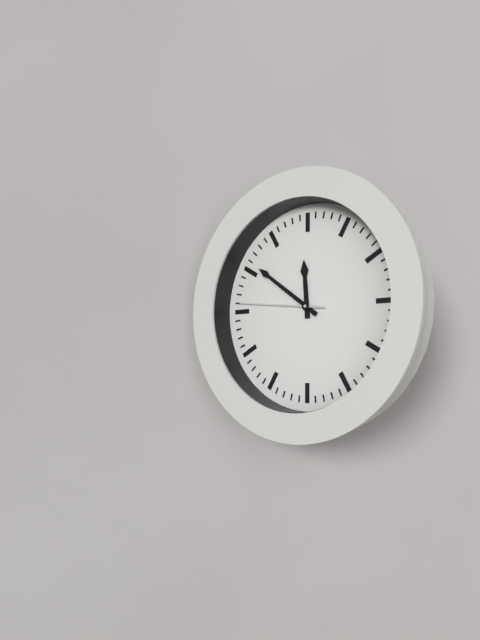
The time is 11,51,46
